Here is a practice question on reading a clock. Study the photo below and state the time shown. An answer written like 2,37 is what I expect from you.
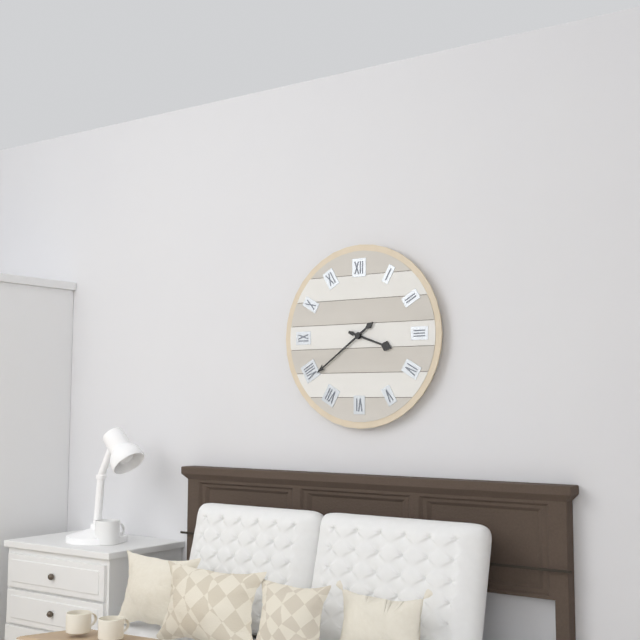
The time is 3,39
